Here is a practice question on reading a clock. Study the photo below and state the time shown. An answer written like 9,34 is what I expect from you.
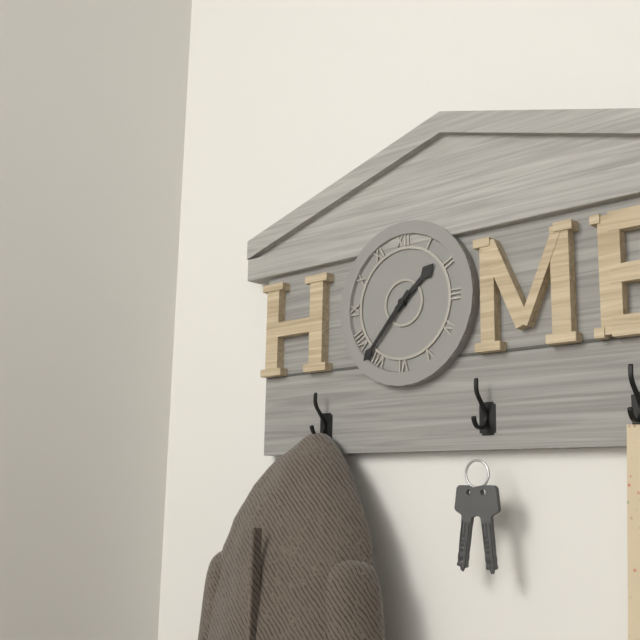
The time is 1,37
